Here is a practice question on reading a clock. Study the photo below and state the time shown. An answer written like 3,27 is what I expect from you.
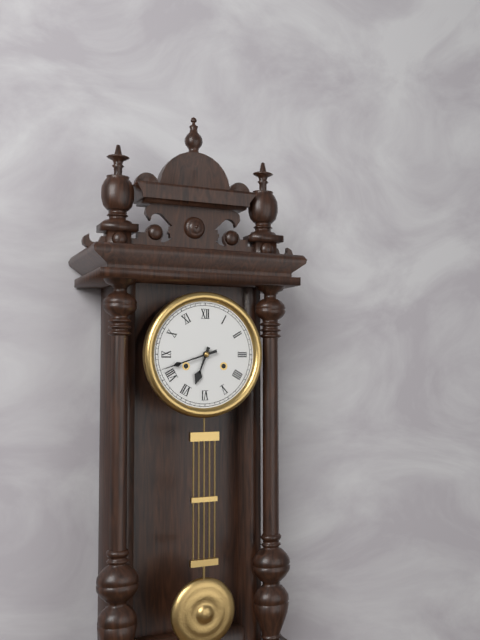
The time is 6,42
